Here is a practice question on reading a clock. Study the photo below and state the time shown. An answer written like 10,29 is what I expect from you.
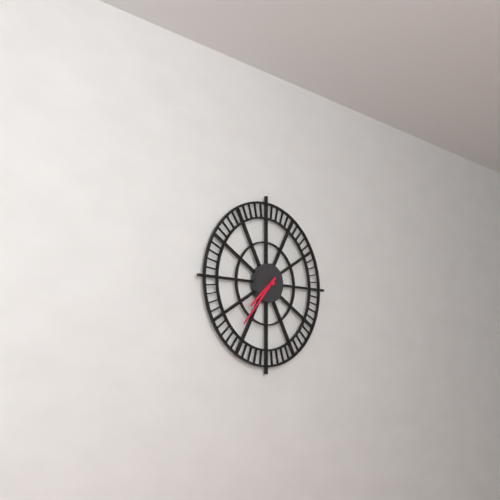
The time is 7,37
